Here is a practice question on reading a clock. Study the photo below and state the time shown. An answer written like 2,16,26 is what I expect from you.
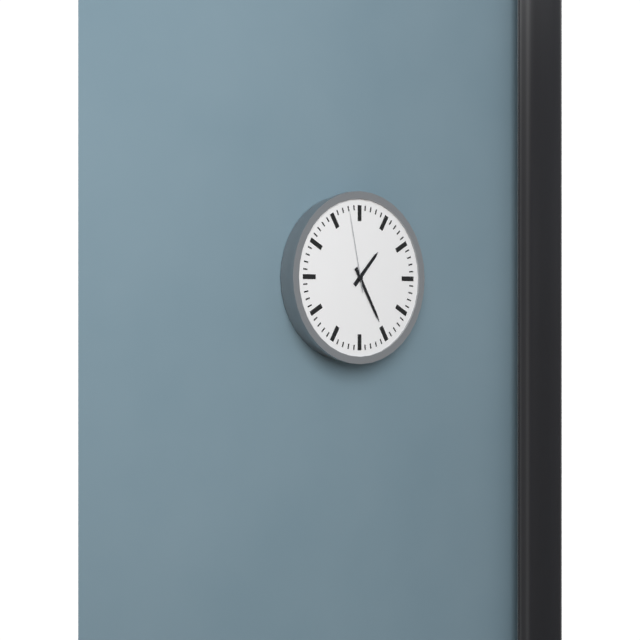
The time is 1,25,58
